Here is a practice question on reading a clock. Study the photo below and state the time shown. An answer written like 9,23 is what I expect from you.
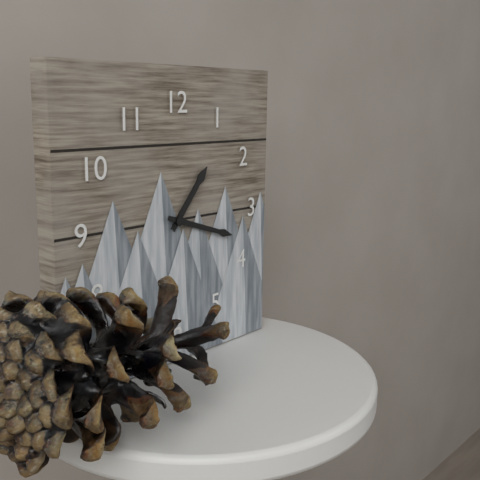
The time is 1,18
